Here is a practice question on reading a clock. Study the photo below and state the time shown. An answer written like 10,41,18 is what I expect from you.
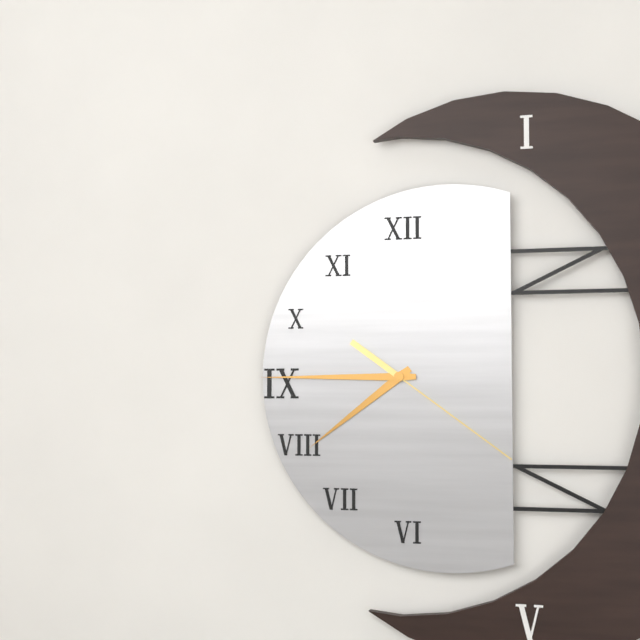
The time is 7,45,21
